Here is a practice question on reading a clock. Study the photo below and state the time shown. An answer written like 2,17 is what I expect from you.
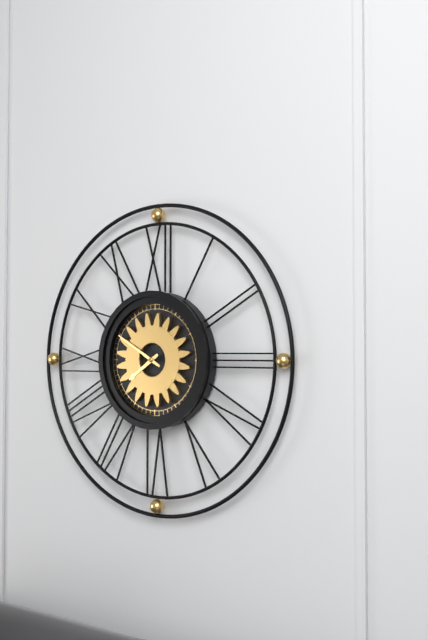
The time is 7,50
